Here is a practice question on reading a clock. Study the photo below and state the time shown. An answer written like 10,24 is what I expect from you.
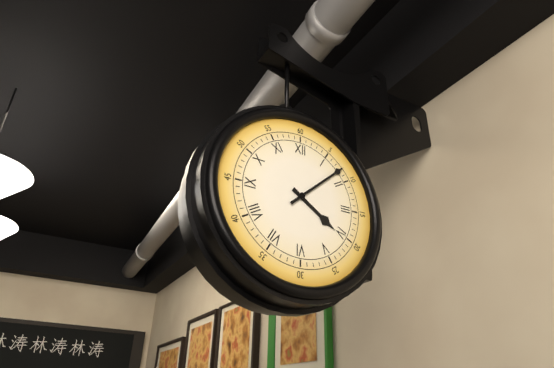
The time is 4,08
